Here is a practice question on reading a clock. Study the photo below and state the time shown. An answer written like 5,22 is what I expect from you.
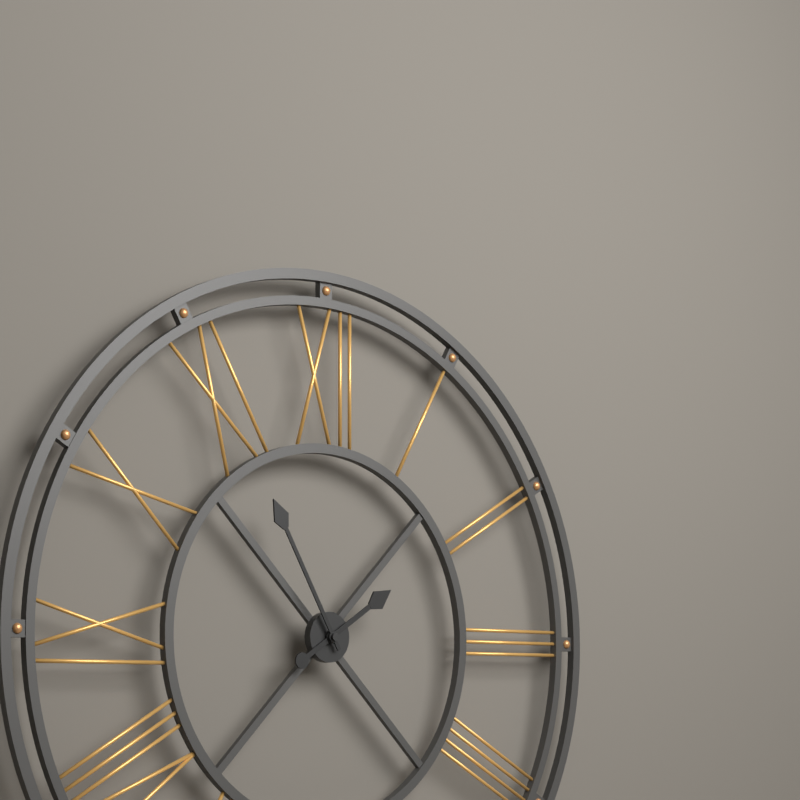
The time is 1,55
